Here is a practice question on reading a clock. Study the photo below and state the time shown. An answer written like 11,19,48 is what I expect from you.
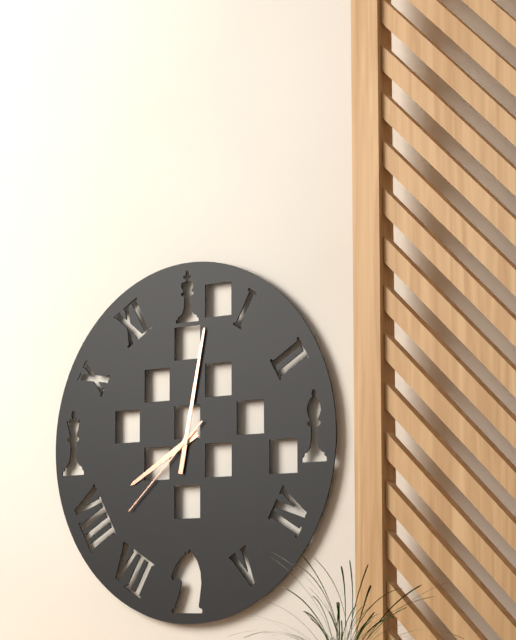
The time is 8,02,38
